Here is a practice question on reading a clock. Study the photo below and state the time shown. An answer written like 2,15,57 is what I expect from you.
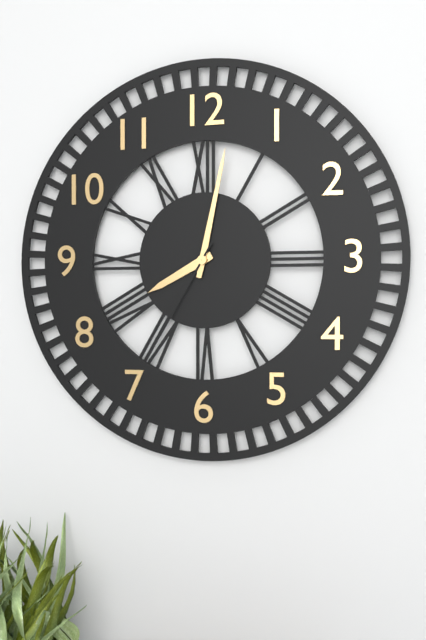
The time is 8,02,35
